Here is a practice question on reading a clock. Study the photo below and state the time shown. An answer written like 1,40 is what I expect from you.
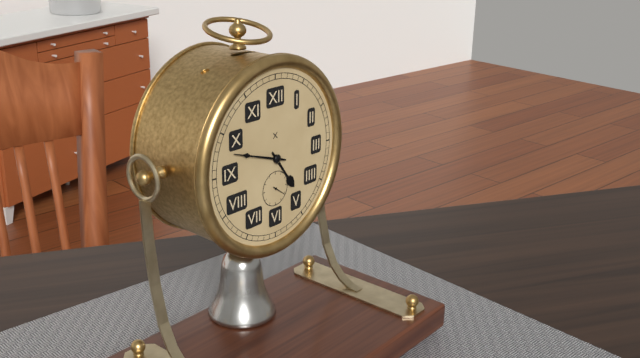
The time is 4,48
